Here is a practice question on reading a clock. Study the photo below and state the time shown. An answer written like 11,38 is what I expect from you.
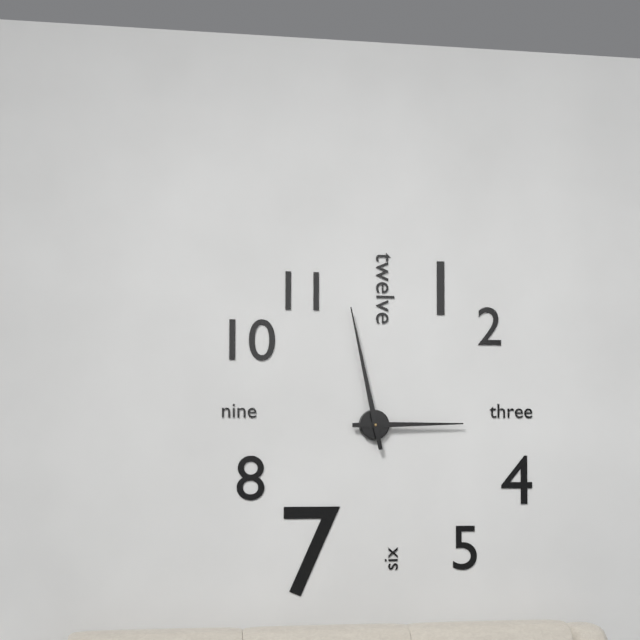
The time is 2,58
